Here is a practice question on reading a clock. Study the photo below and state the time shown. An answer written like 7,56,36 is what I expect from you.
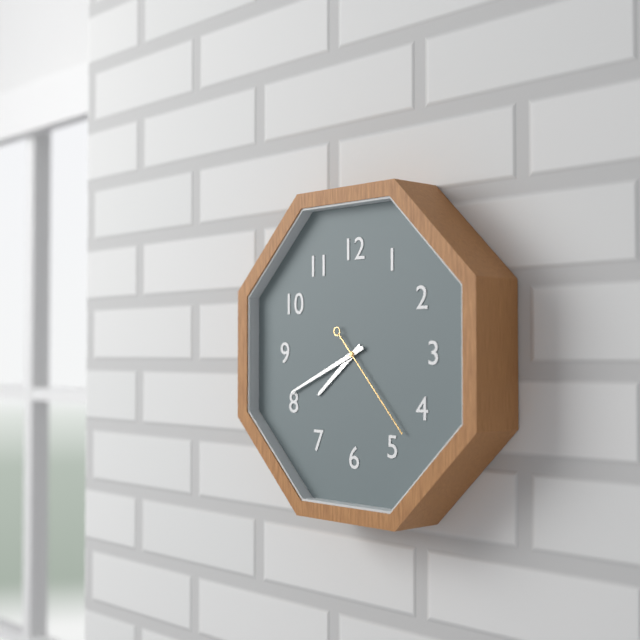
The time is 7,41,23
